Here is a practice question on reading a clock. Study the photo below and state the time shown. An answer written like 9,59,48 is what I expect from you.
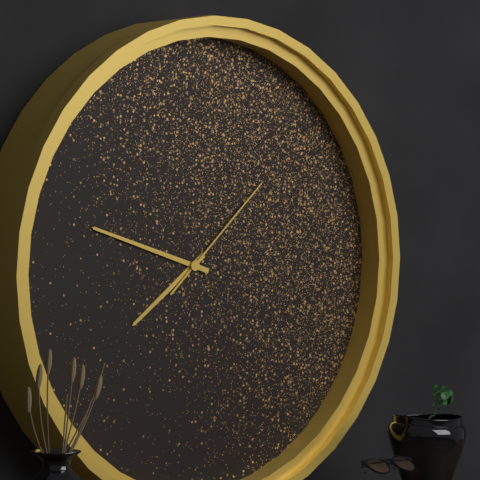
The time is 7,48,08
